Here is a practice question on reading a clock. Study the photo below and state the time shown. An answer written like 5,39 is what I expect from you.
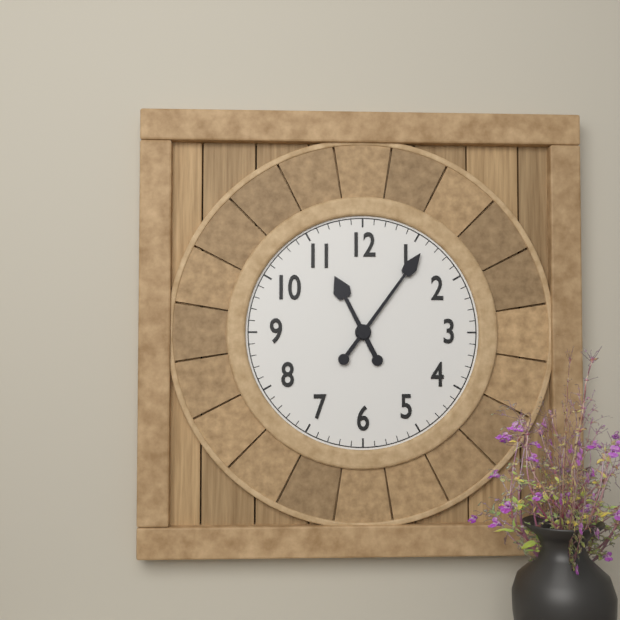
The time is 11,06
